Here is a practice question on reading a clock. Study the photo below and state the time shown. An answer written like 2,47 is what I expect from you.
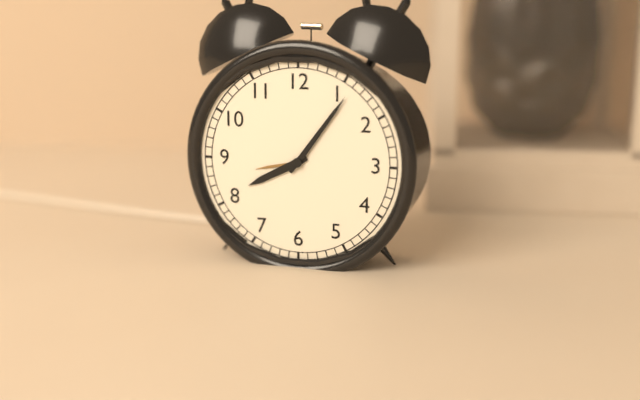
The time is 8,06
